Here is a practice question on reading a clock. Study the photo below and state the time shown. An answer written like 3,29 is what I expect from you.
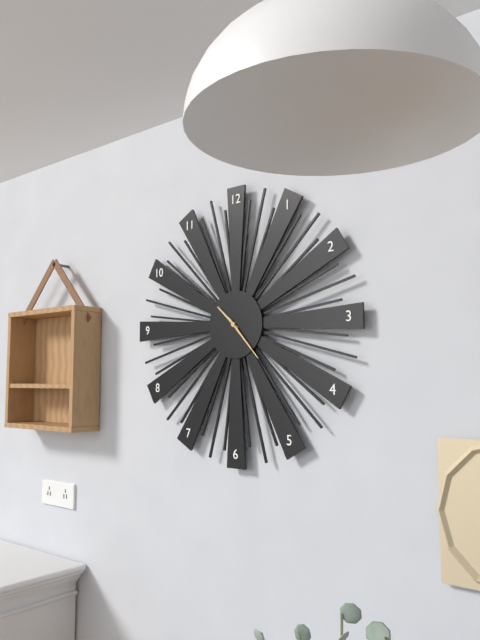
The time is 10,23
